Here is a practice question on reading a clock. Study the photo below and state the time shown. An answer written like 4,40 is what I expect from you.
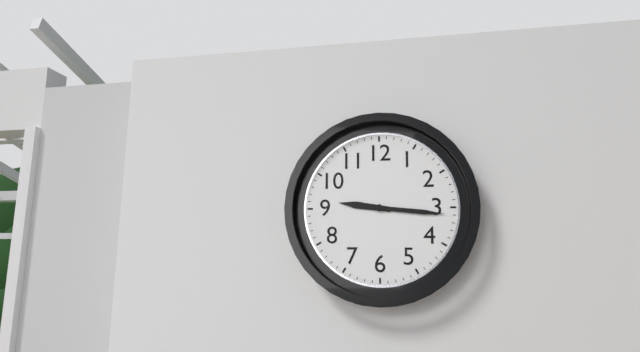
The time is 9,16
